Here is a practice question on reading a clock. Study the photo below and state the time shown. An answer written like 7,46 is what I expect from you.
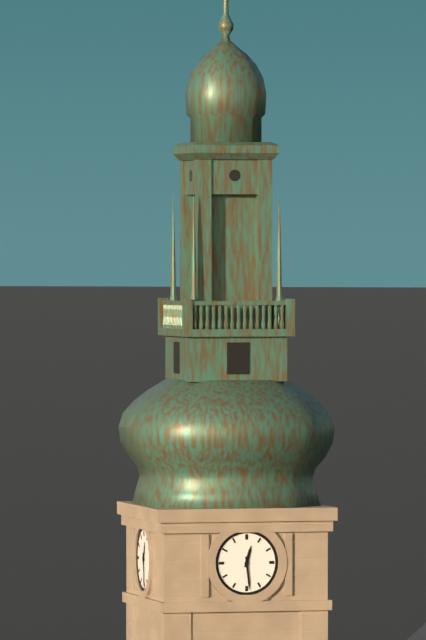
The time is 12,29
